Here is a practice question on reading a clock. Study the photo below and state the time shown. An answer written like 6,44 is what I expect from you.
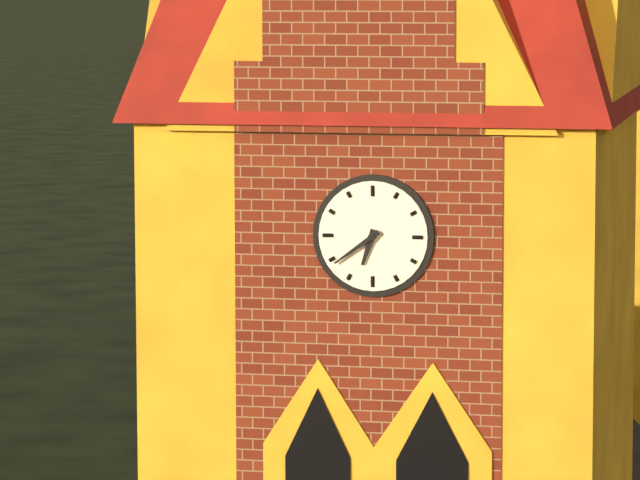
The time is 6,39
